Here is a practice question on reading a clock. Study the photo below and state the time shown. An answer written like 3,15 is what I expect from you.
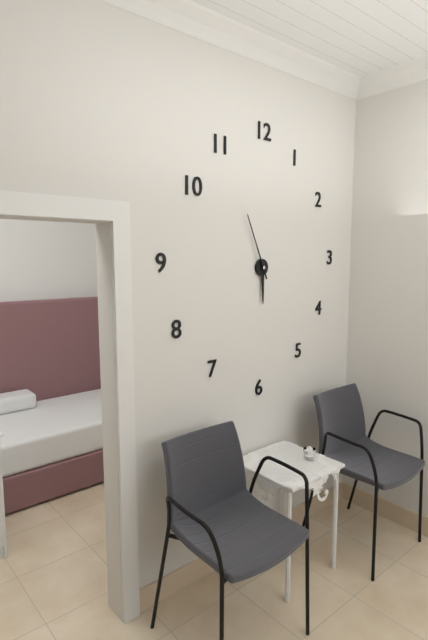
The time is 5,56
